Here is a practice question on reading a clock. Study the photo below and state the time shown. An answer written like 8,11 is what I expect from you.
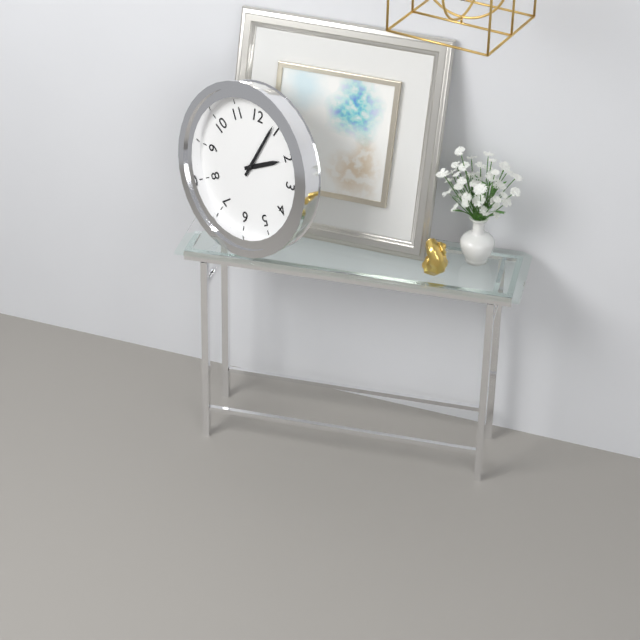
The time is 2,04
